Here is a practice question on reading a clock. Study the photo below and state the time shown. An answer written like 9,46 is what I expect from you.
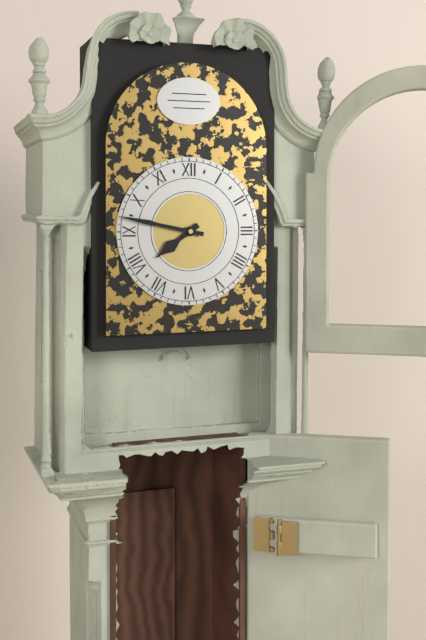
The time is 7,47
